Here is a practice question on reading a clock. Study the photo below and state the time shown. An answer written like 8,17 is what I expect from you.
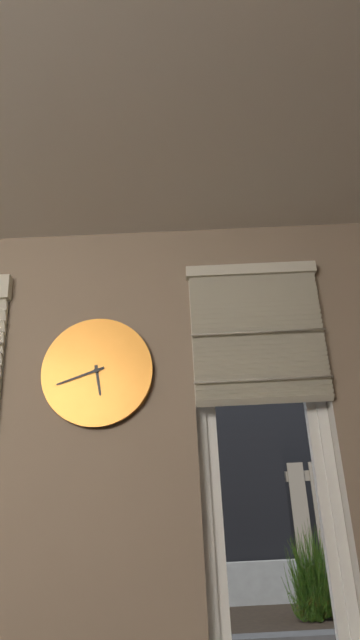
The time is 5,42
